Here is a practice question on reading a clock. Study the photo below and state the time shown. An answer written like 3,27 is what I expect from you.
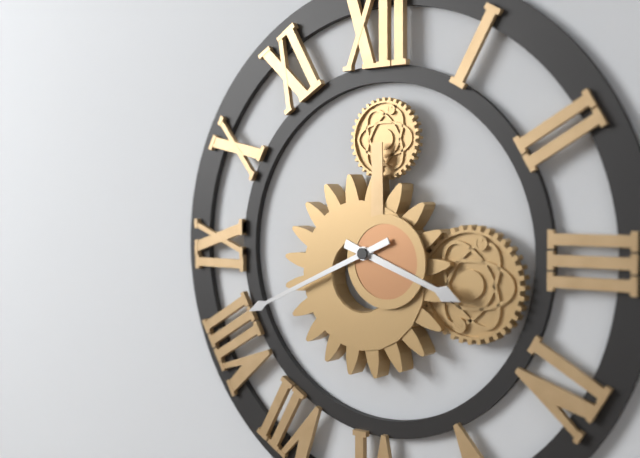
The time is 3,41
